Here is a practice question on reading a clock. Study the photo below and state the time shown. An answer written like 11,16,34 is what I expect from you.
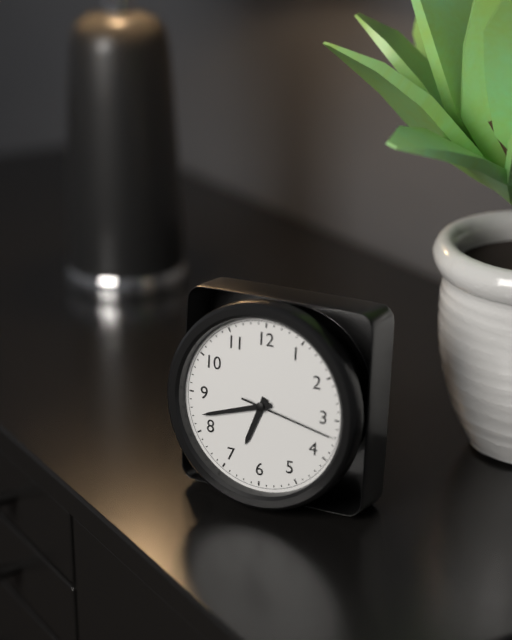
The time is 6,42,17
